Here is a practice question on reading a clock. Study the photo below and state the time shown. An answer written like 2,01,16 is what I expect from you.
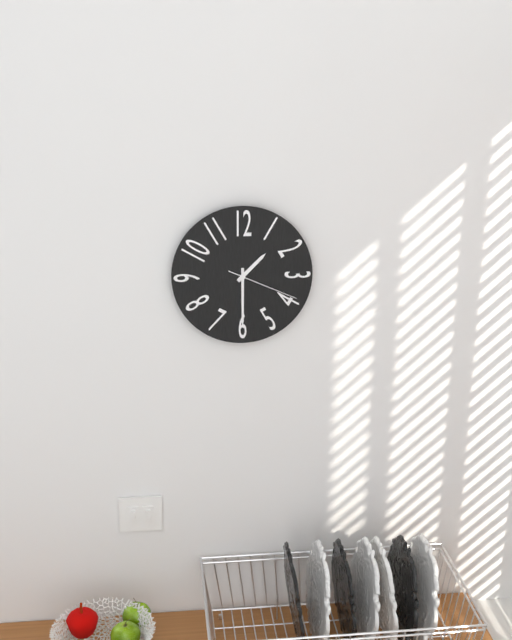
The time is 1,30,19
